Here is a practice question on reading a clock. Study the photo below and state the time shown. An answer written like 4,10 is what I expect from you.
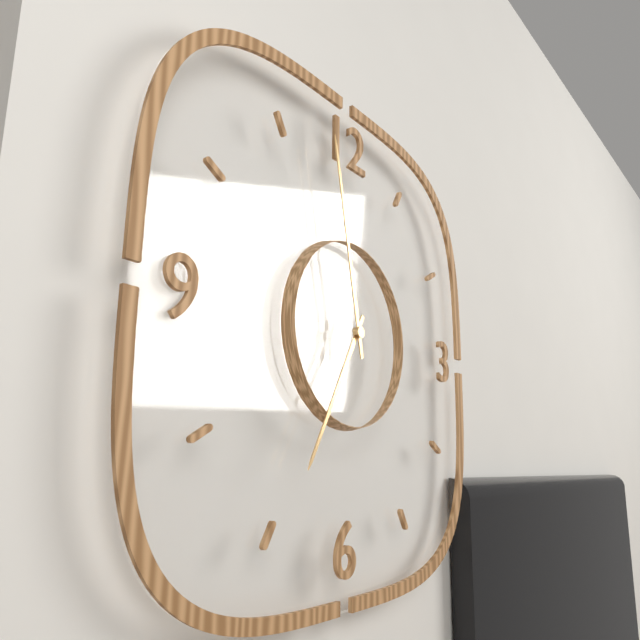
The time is 6,58
